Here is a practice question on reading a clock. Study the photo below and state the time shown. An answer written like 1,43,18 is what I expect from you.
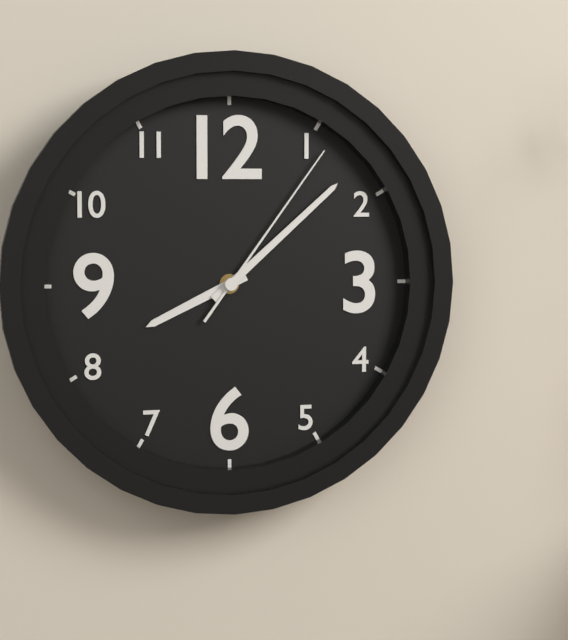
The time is 8,08,06
